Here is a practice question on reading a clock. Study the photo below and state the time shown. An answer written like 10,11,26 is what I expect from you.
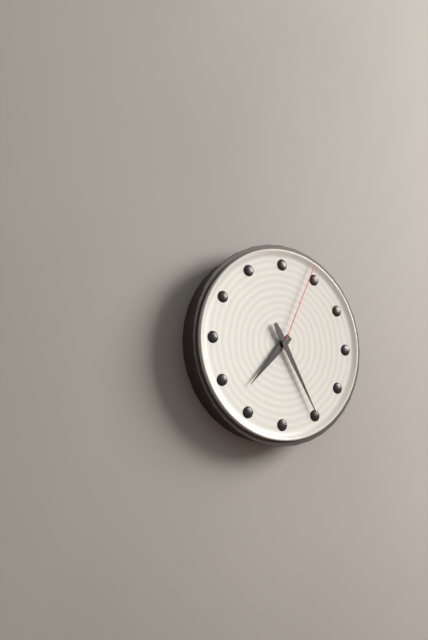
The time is 7,25,04
